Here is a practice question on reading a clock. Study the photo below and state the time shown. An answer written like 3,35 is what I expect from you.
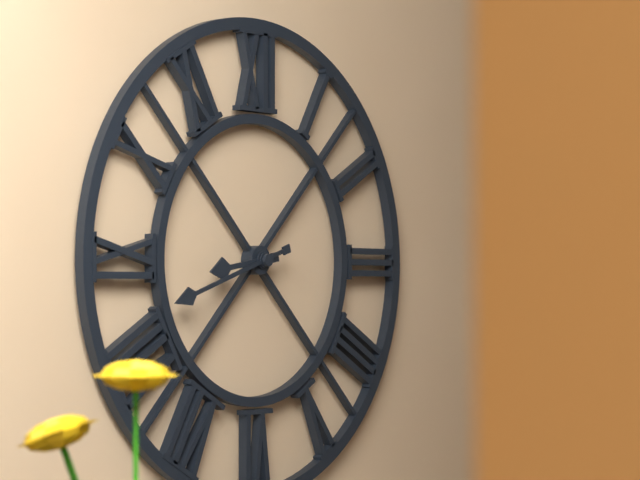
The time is 8,42
